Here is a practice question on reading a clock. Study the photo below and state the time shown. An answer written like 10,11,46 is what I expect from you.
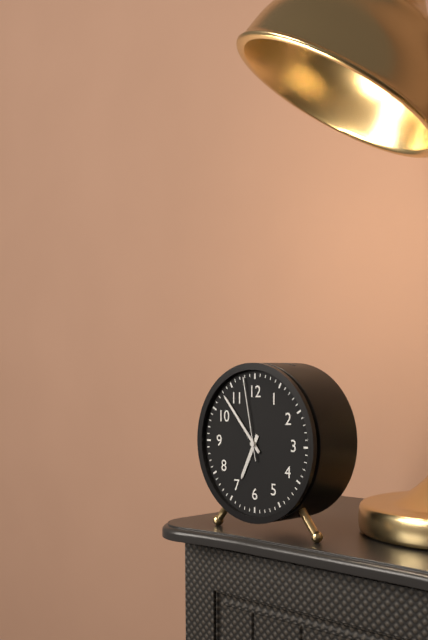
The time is 6,53,58
